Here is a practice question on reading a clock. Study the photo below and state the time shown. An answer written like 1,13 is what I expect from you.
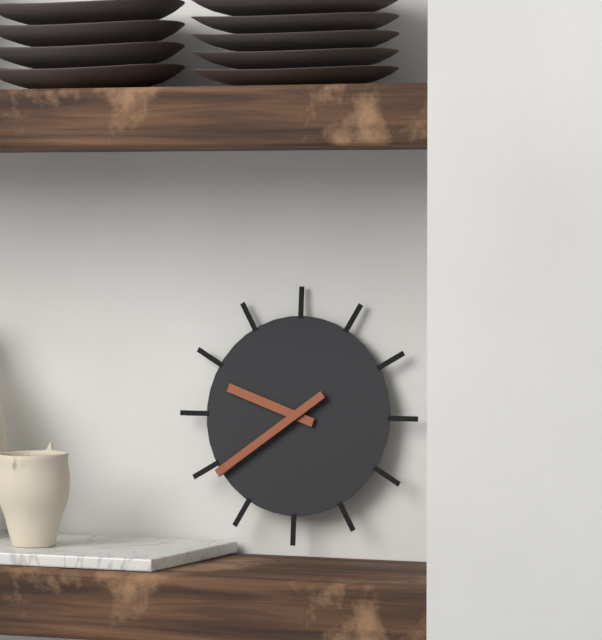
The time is 9,39
